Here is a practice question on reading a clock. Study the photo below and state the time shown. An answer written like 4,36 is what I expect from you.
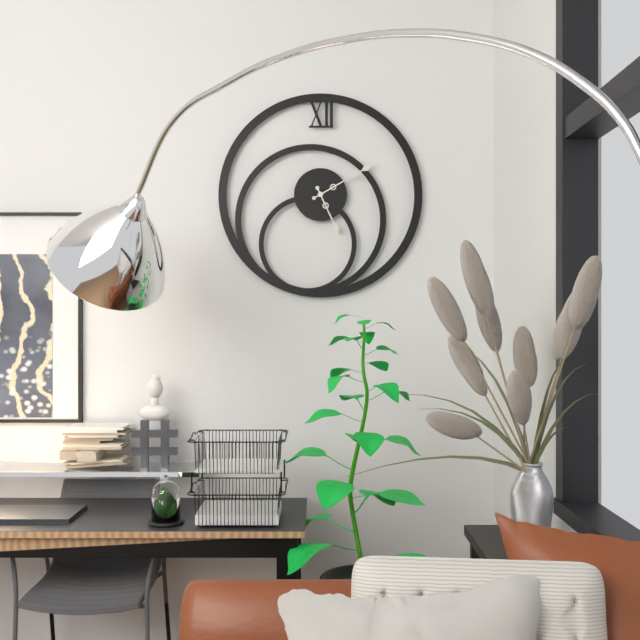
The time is 5,10
